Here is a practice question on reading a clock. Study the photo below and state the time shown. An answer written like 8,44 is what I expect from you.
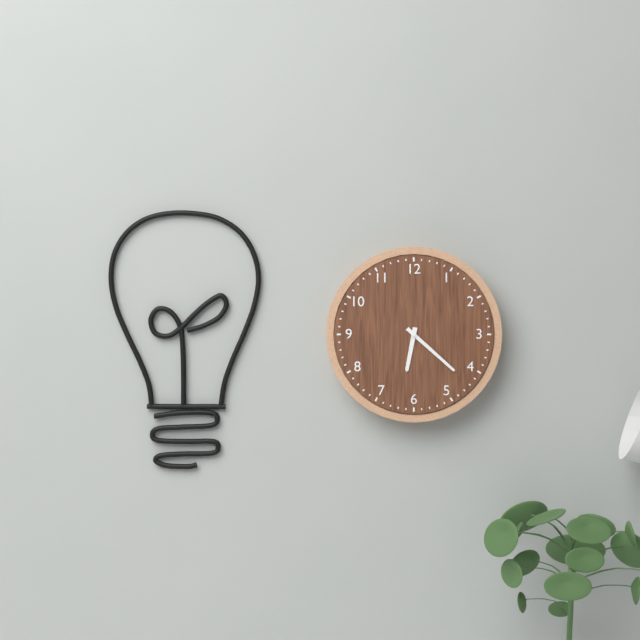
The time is 6,22
